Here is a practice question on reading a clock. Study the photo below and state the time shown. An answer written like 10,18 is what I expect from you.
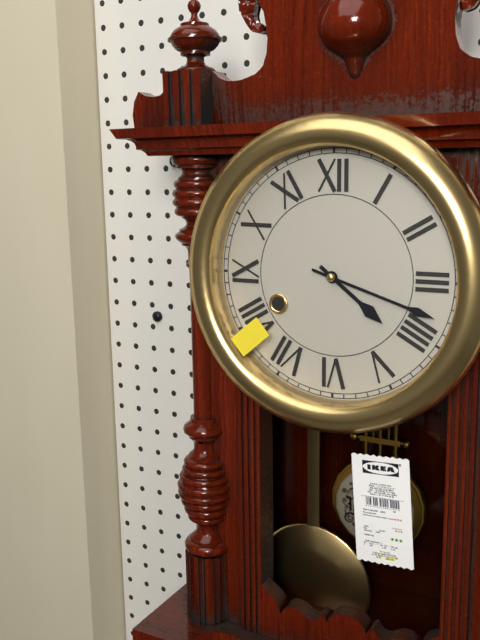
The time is 4,18
